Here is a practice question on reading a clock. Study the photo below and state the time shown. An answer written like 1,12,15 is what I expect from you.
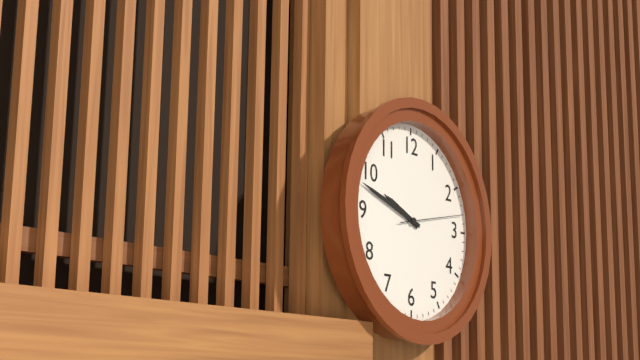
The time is 9,48,13
